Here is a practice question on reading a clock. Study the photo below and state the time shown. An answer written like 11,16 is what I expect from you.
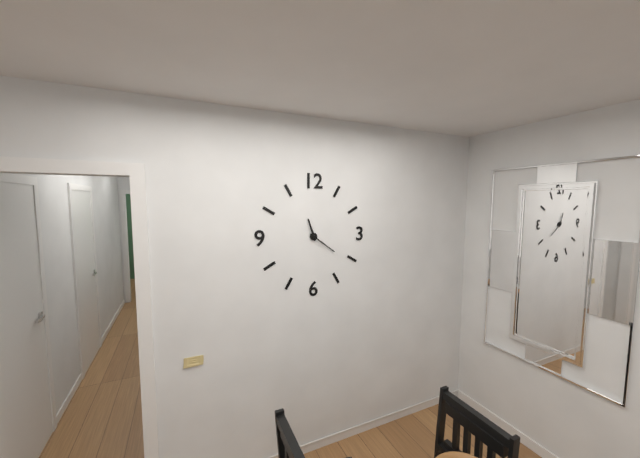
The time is 11,21
